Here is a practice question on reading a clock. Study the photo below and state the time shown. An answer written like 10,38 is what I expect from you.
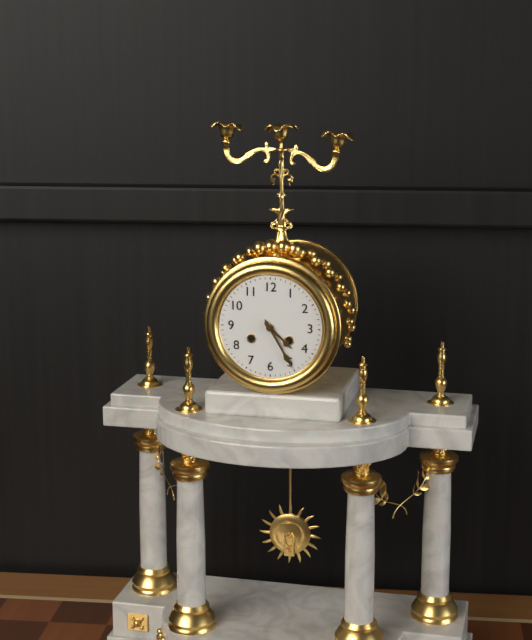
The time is 4,25
